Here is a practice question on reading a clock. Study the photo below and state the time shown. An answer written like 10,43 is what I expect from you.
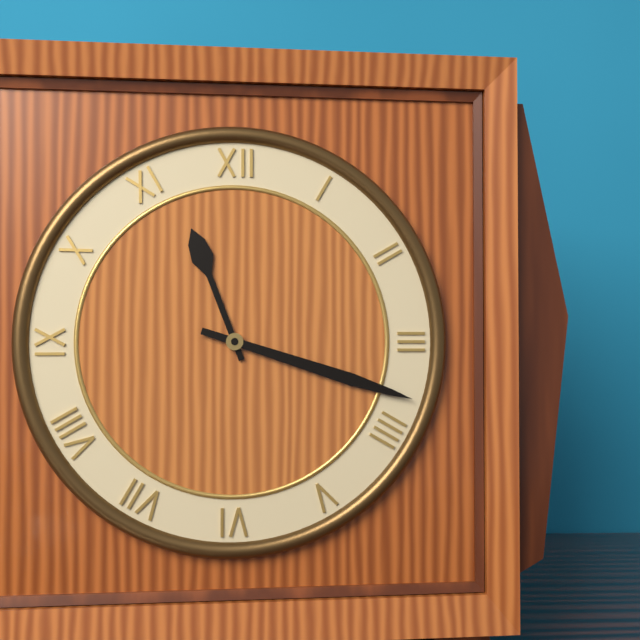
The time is 11,18
